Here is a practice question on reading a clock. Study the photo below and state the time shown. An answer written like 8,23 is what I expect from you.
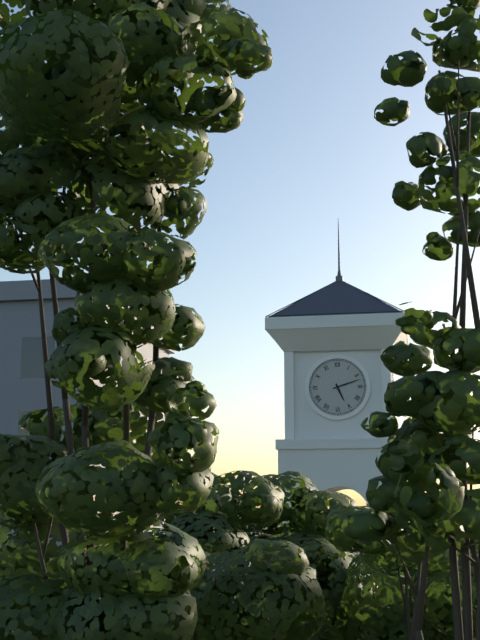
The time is 5,12
